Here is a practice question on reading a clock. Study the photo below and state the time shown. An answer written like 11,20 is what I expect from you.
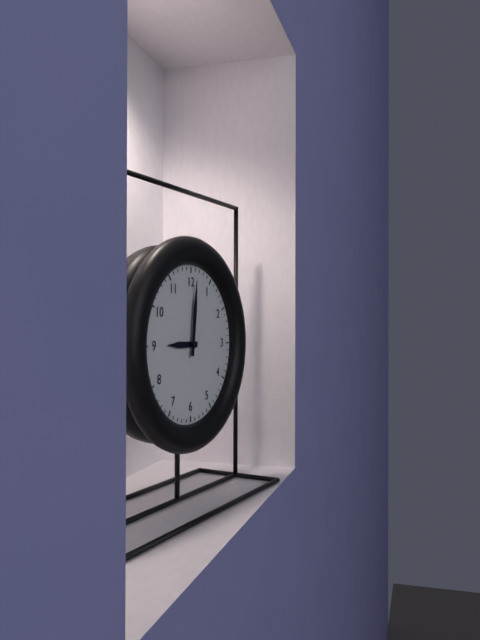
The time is 9,01
